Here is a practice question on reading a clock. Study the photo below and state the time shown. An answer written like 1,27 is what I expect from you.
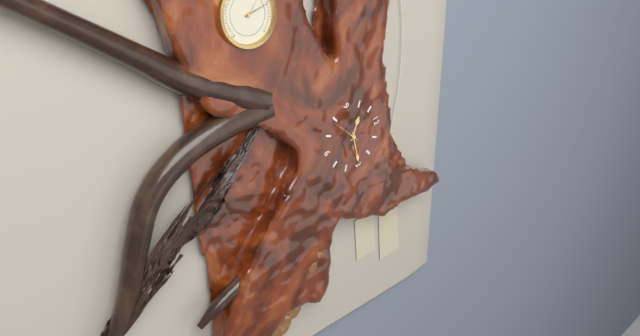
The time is 10,15
